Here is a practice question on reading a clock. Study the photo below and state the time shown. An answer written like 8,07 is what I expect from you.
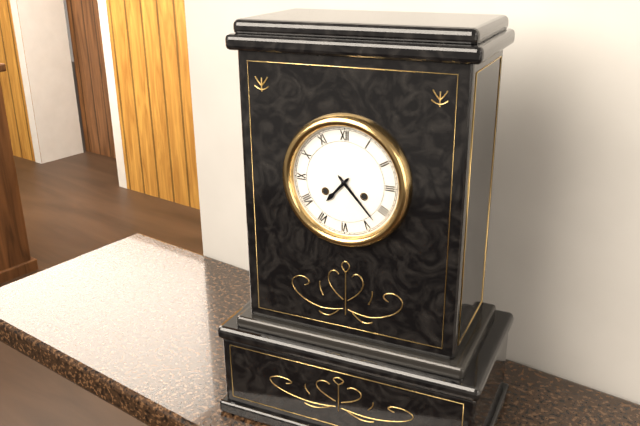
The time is 7,23
